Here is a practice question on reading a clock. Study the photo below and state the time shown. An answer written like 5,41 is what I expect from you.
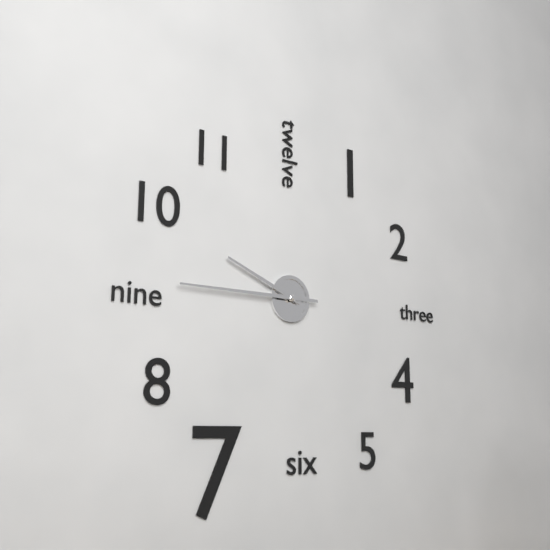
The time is 9,45
